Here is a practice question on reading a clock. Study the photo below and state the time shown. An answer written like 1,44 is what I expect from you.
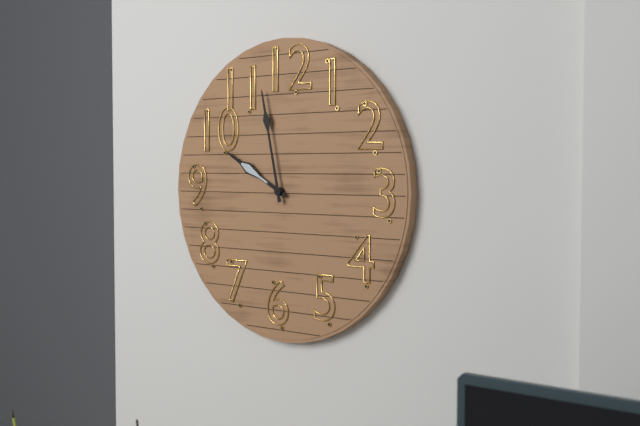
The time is 9,58
